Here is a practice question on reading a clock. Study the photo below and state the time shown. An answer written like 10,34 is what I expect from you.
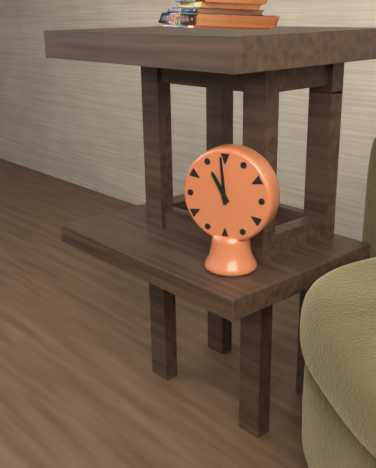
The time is 10,59
